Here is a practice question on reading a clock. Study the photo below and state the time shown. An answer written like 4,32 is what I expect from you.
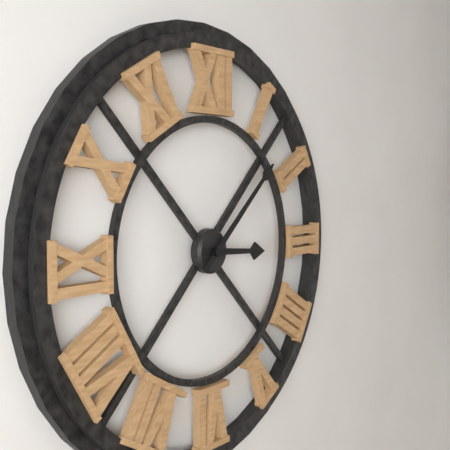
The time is 3,08
